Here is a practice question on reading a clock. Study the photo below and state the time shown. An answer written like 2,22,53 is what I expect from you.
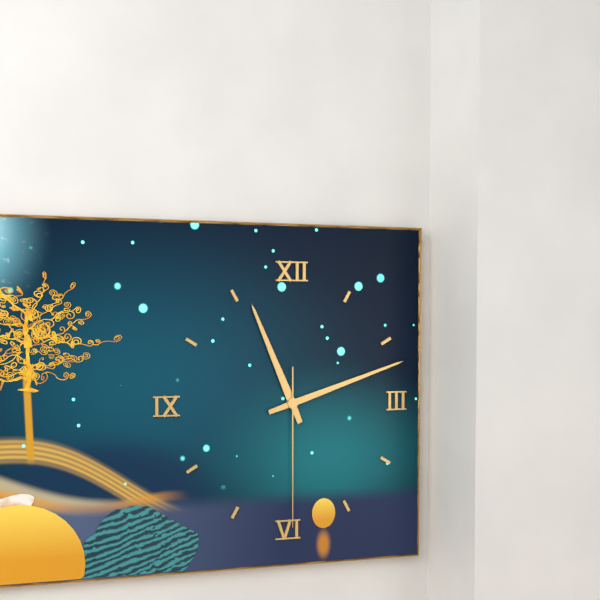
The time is 11,12,30
